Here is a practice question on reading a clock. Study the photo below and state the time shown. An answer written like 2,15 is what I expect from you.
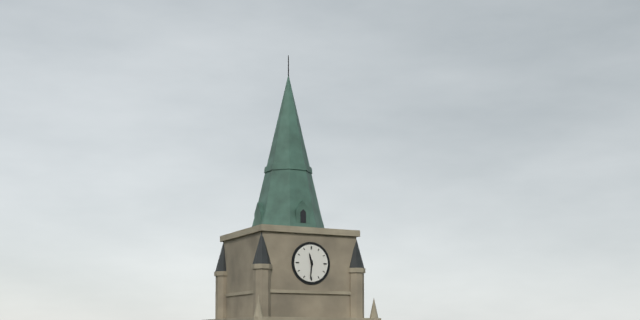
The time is 11,31
